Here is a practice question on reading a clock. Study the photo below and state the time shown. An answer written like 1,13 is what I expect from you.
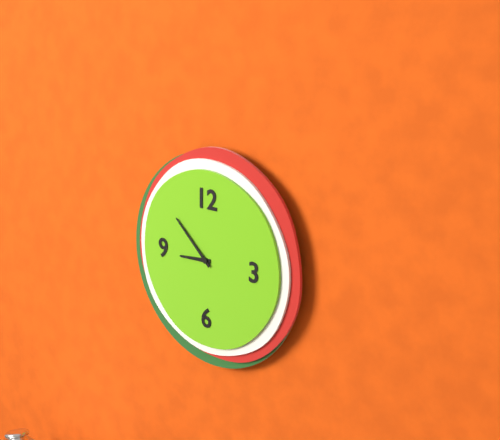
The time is 8,52
